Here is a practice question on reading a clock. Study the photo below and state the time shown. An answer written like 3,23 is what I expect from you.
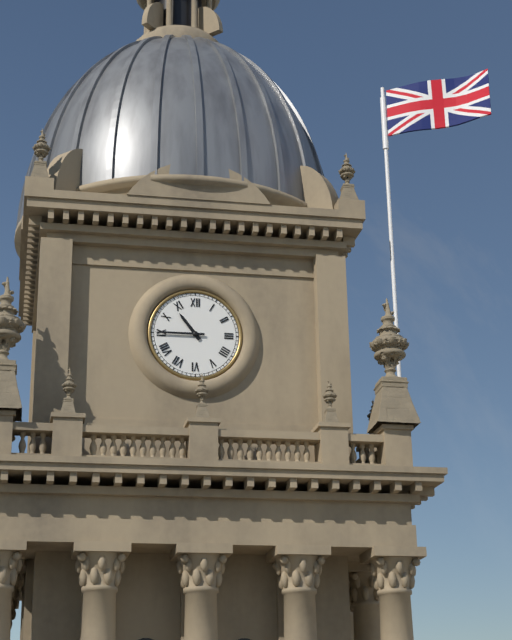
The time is 10,45
